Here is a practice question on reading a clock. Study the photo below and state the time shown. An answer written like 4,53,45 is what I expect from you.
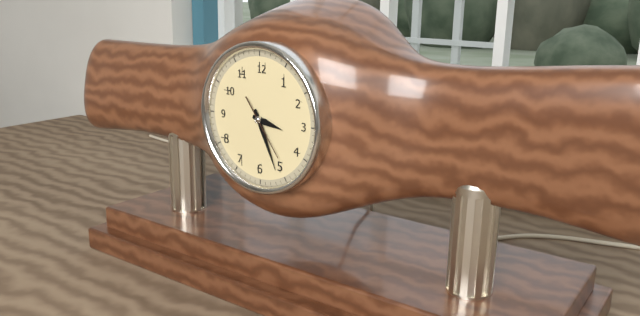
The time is 3,26,24
